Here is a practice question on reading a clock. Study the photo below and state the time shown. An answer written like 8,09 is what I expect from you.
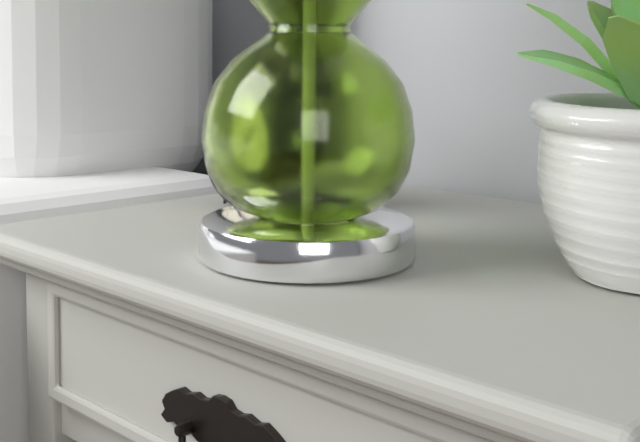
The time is 1,32
